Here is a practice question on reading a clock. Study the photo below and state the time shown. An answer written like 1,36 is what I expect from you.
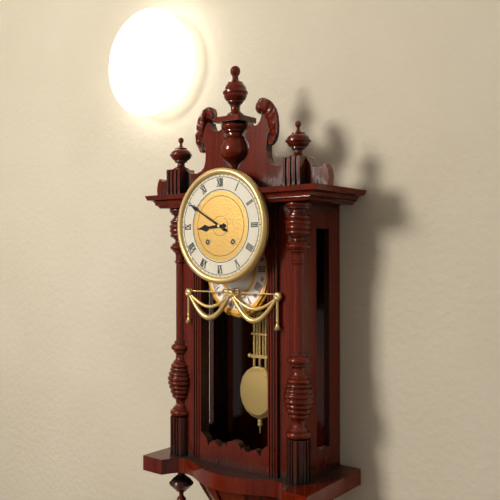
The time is 8,50
